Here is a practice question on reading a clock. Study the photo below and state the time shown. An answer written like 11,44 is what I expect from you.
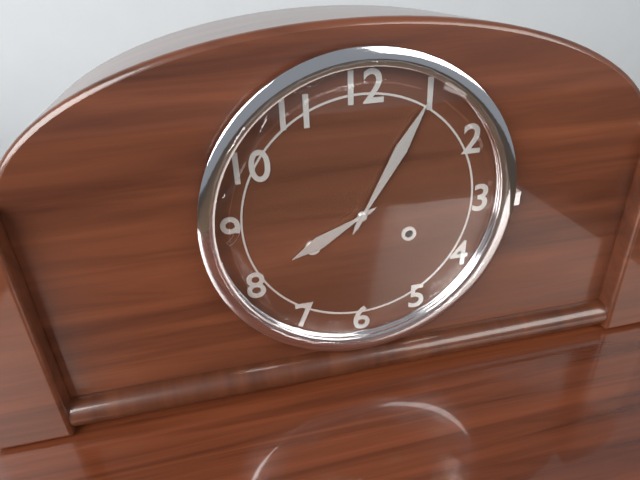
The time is 8,05
